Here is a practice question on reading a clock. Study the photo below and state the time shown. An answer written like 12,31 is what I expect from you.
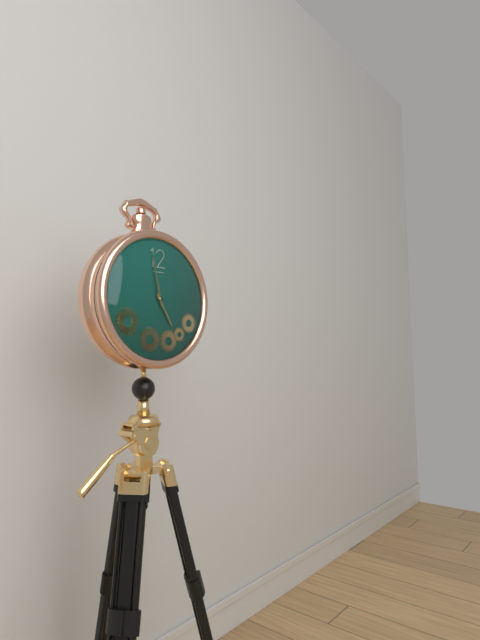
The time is 4,58
